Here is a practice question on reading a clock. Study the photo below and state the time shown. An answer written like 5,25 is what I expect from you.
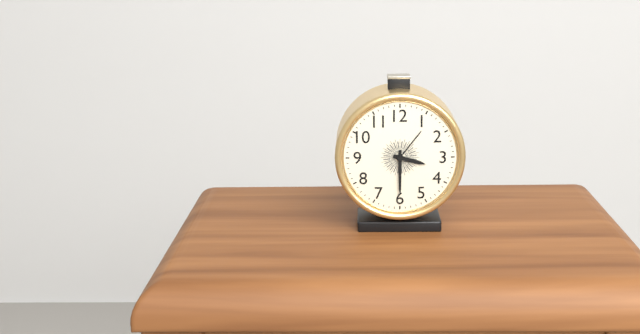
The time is 3,30
